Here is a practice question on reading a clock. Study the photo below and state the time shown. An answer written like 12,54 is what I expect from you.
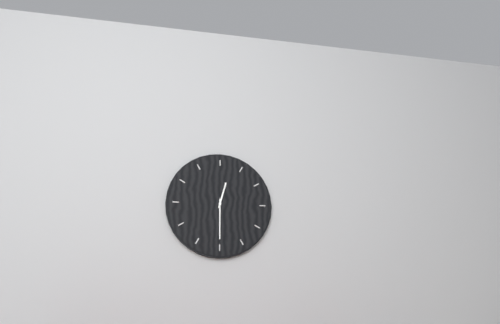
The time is 12,30
